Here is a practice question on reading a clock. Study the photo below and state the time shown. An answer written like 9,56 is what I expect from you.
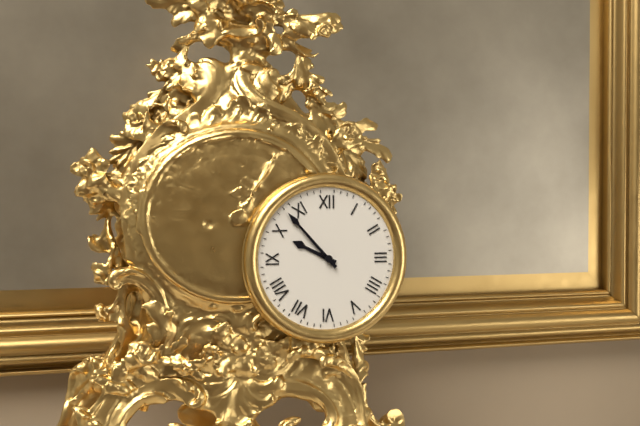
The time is 9,53
